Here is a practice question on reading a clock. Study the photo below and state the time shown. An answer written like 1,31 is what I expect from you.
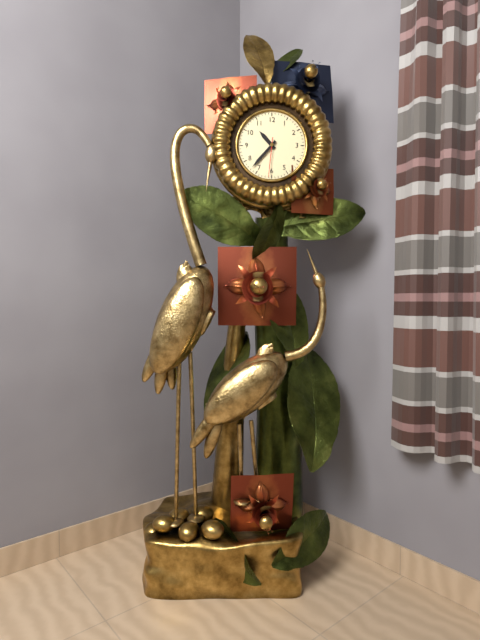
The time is 10,37
